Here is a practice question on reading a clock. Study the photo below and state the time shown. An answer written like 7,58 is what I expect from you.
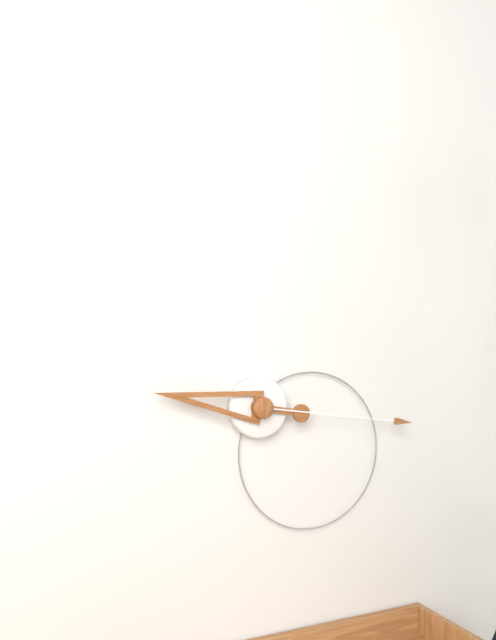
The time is 9,16
